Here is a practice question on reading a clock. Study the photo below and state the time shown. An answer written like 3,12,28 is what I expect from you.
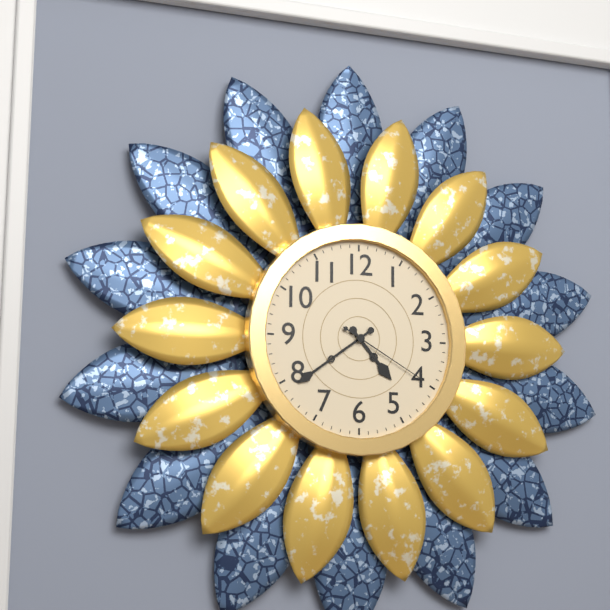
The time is 4,39,20
